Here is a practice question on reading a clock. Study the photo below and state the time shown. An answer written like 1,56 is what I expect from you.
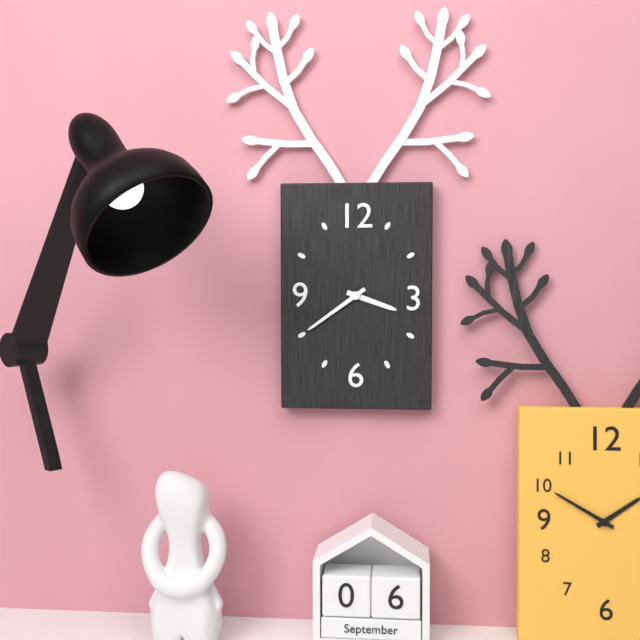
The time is 3,39
